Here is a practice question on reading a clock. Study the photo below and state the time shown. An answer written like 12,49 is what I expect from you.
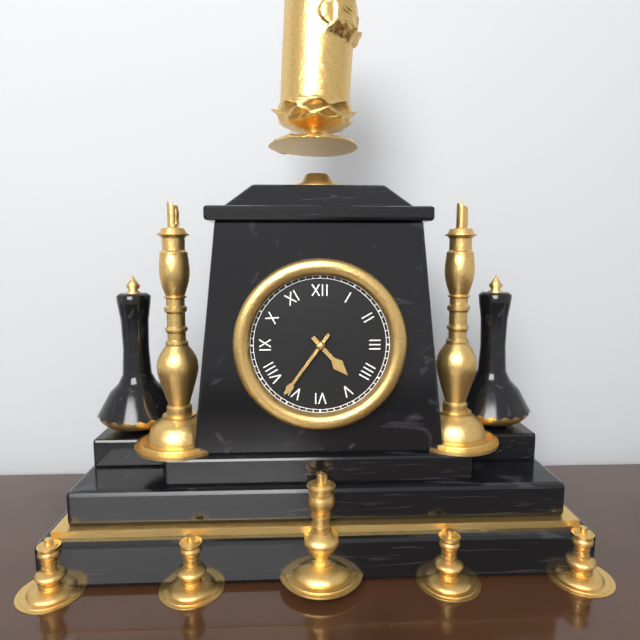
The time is 4,36
